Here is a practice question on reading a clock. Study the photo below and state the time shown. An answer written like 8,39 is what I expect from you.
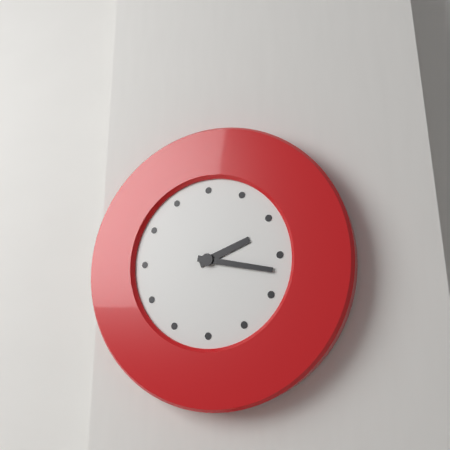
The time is 2,17
